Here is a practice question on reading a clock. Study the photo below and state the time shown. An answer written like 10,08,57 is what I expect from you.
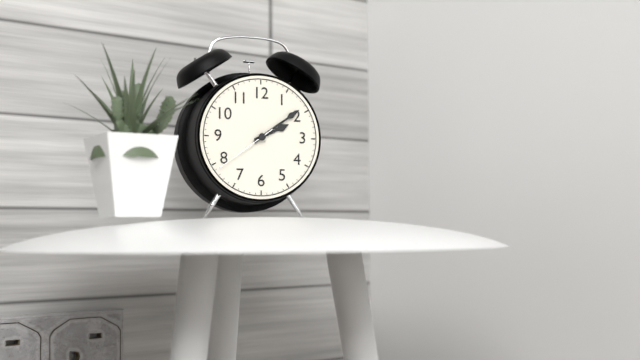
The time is 2,09,39
